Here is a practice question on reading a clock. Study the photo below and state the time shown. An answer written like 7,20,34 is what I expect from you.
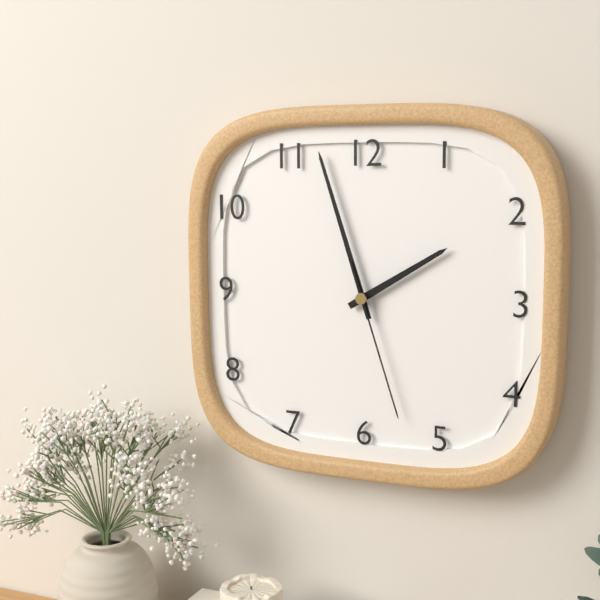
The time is 1,57,27
